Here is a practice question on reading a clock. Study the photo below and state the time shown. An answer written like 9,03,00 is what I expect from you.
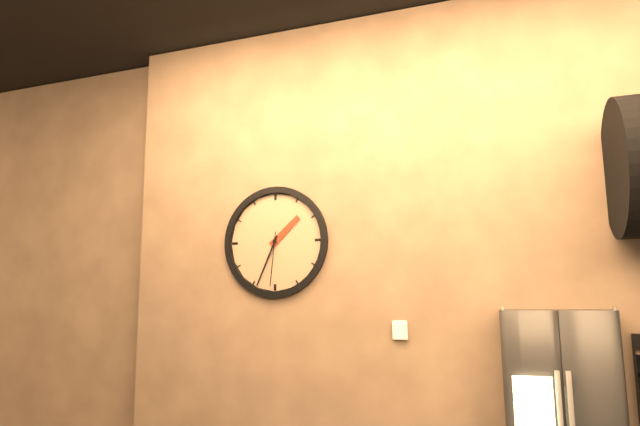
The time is 1,34,31
